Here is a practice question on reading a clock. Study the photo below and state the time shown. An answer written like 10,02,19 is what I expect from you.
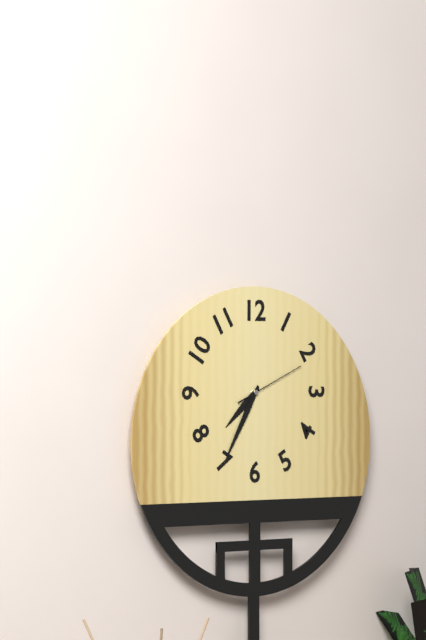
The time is 7,35,11
